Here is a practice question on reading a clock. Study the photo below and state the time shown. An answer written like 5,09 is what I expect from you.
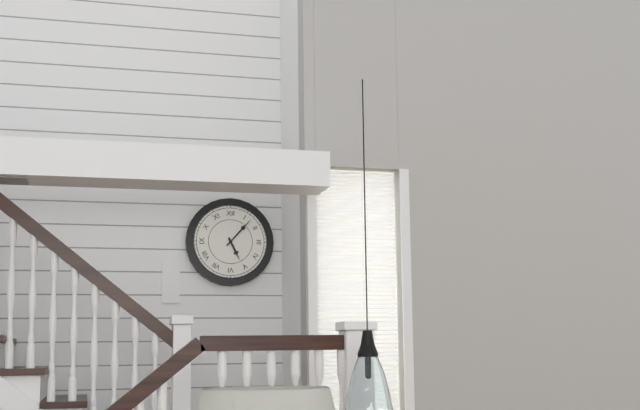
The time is 5,07
